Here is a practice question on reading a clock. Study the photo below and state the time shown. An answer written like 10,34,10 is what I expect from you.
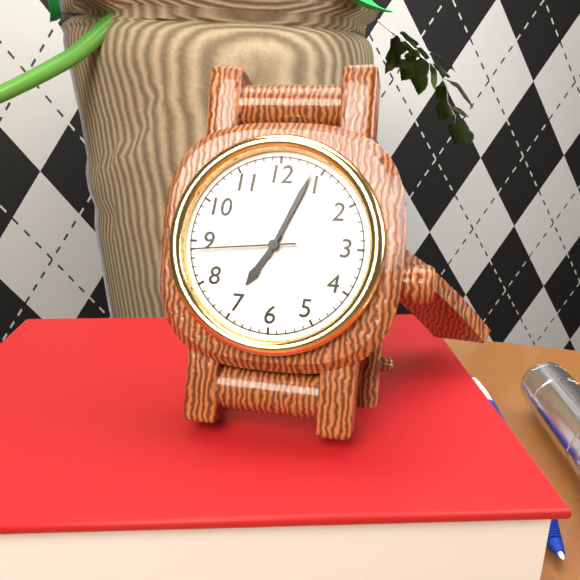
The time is 7,04,44
